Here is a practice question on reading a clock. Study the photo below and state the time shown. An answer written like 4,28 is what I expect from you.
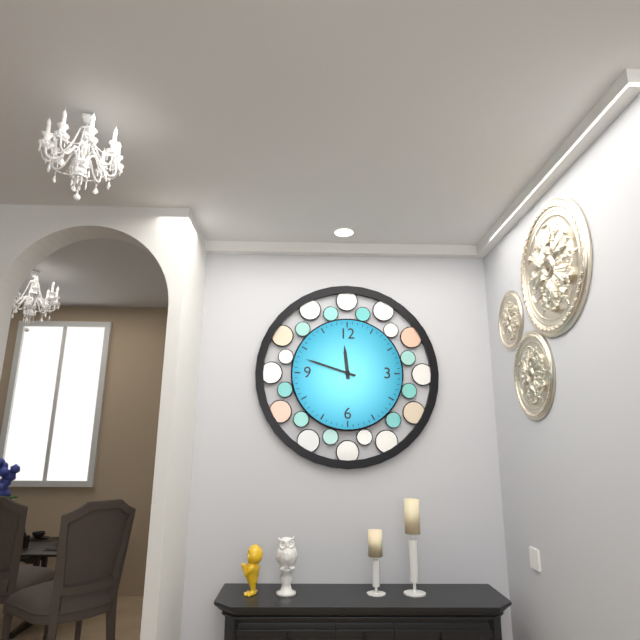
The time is 11,48
